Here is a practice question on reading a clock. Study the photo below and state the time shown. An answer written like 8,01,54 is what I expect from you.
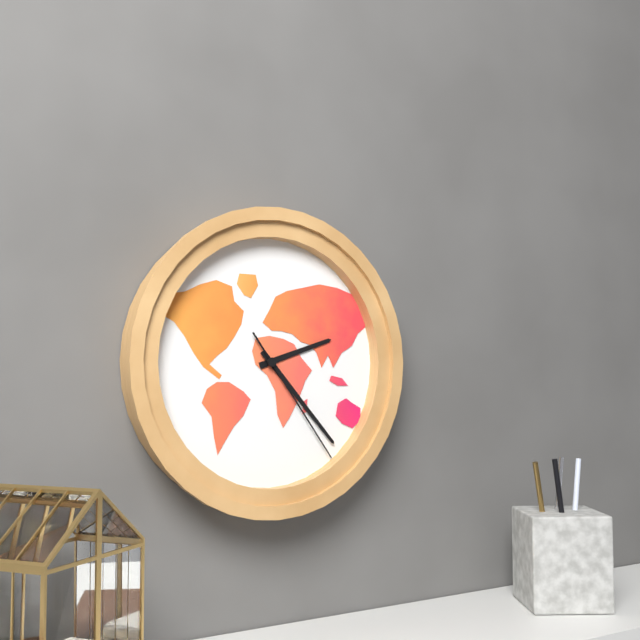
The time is 2,23,24
